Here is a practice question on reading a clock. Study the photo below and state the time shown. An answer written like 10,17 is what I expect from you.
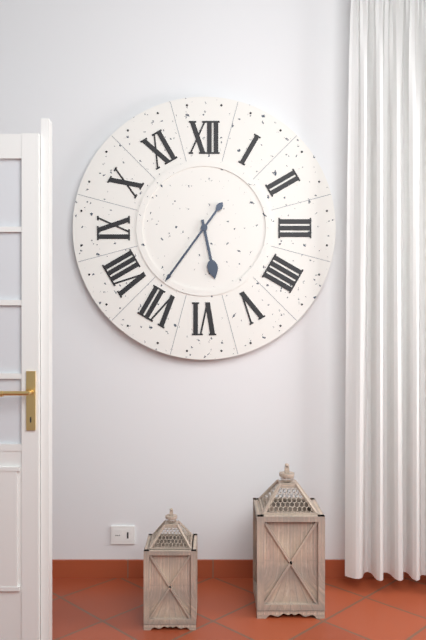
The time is 5,36
